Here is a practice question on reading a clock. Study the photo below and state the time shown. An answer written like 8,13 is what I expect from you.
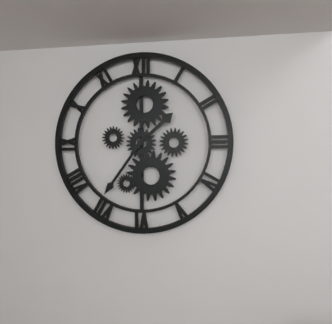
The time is 1,36
